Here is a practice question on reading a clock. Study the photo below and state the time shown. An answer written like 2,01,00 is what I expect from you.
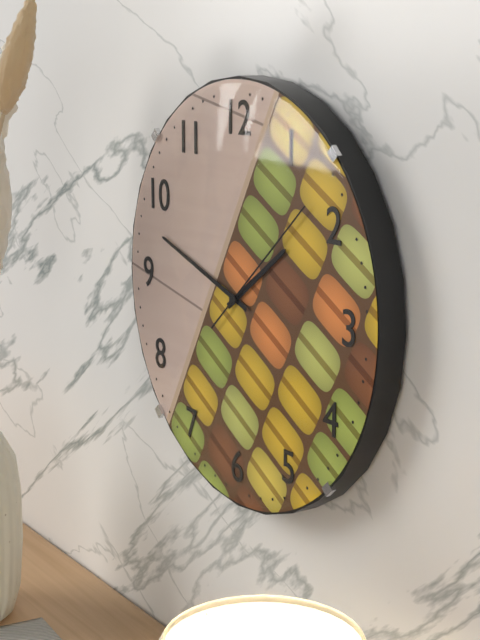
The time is 1,48,08
